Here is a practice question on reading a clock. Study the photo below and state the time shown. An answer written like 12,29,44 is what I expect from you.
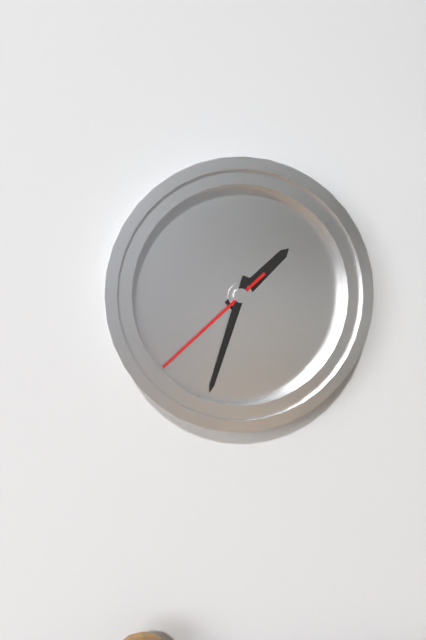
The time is 1,33,38
